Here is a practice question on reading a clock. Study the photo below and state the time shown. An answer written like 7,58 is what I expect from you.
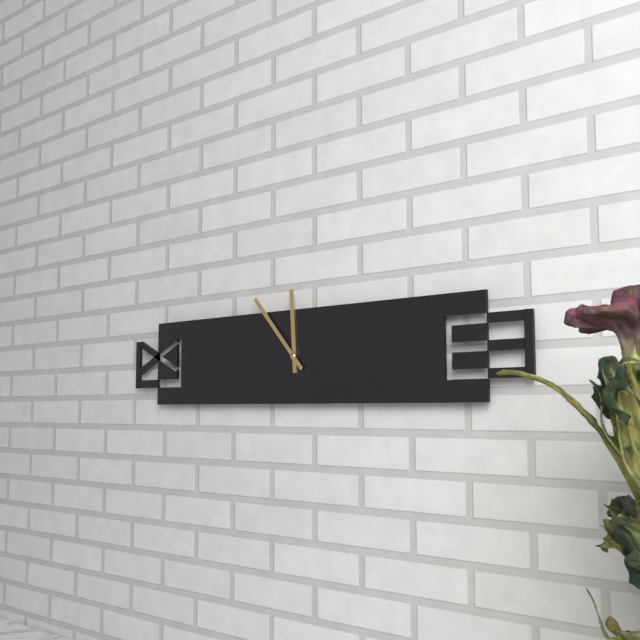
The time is 11,53
